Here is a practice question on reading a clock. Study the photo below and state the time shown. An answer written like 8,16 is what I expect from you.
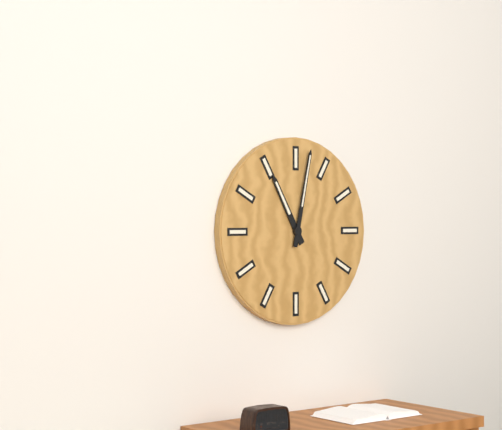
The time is 11,02
